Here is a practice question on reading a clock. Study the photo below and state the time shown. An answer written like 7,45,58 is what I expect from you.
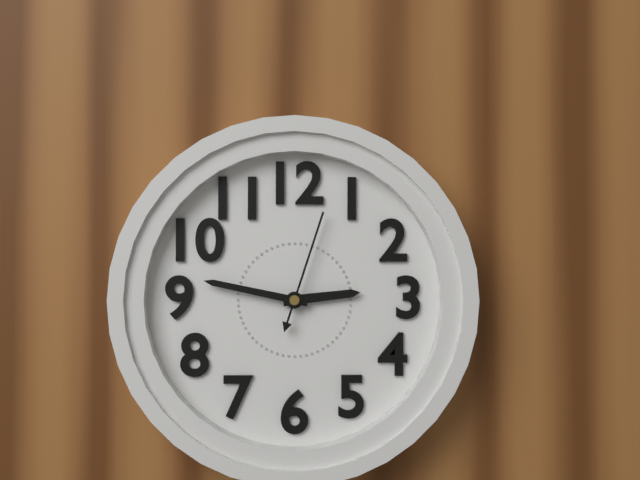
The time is 2,47,03
